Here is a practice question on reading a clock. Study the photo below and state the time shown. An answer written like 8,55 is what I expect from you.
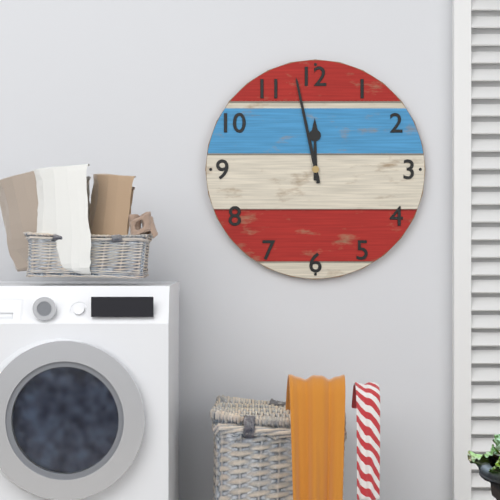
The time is 11,58
